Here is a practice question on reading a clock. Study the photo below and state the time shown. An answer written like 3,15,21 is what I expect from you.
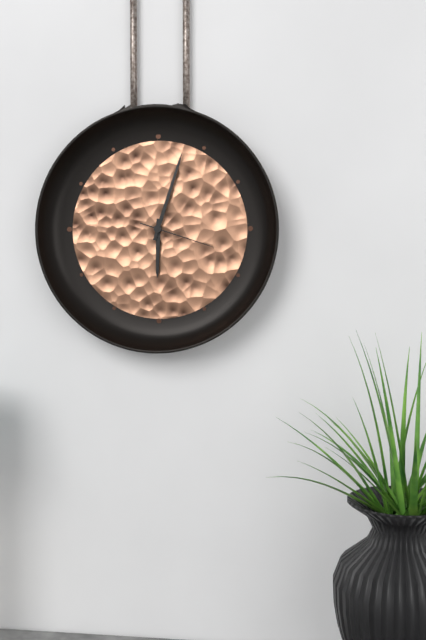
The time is 6,03,18
